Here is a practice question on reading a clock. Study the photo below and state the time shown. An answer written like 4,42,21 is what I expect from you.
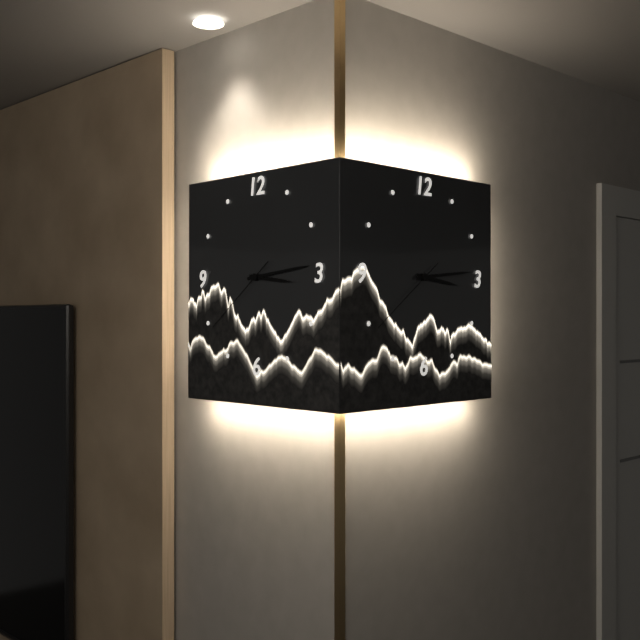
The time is 3,14,39
